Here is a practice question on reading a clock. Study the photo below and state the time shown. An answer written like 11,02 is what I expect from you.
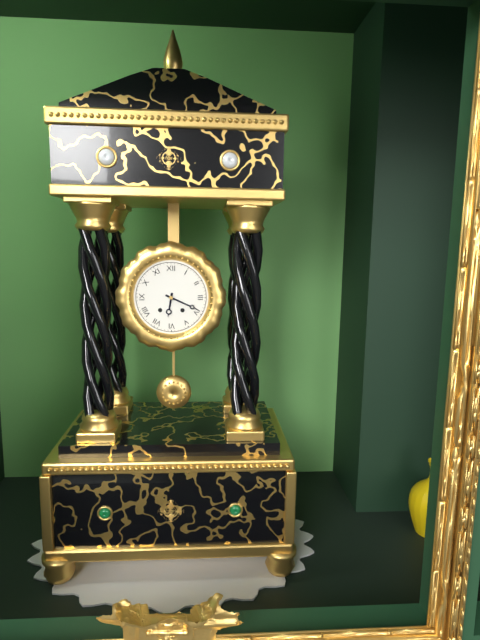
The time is 6,19
